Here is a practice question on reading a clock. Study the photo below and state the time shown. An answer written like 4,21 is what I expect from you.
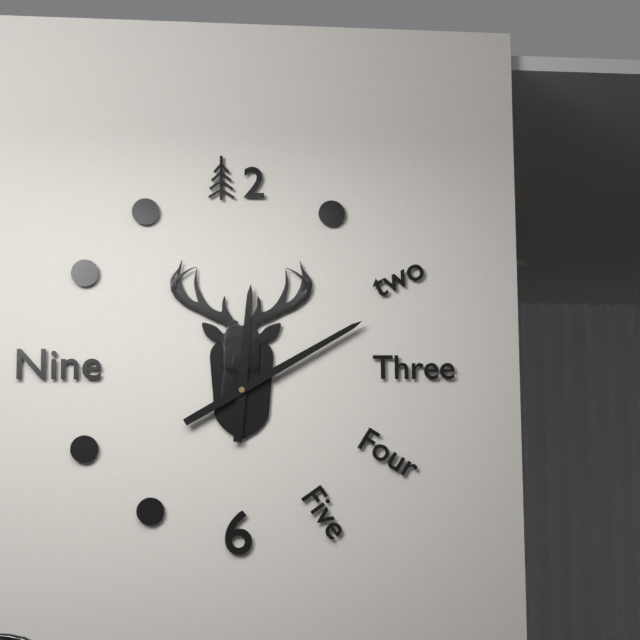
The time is 12,10
